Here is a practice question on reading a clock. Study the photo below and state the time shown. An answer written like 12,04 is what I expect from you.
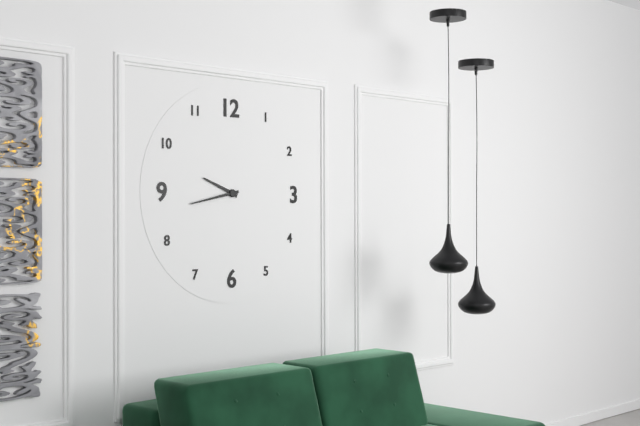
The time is 9,43
